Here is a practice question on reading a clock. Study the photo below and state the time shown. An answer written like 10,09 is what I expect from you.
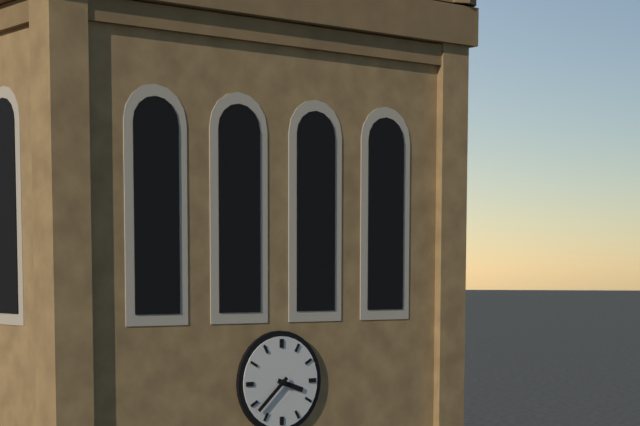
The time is 3,38
